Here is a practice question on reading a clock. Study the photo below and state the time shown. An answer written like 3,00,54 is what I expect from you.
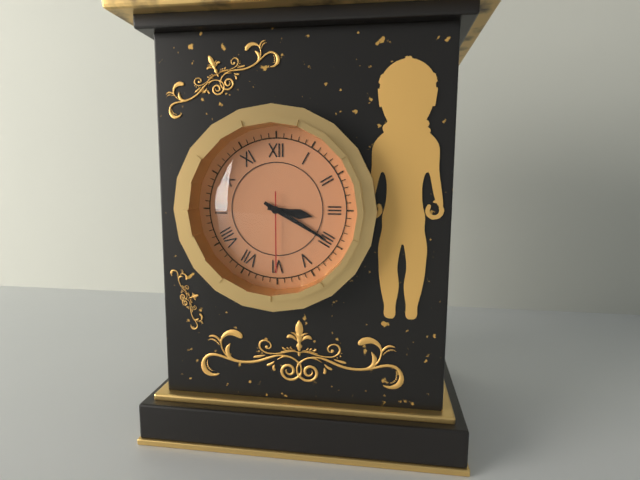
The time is 3,20,30
